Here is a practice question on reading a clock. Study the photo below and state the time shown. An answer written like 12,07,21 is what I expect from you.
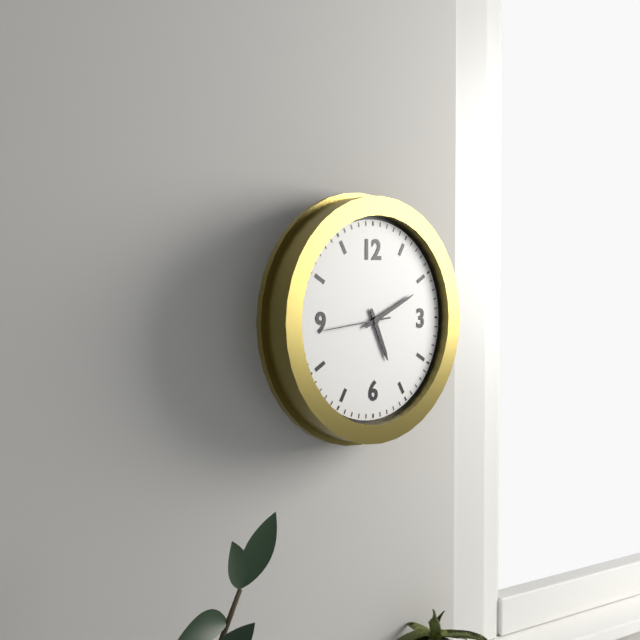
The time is 5,11,44
